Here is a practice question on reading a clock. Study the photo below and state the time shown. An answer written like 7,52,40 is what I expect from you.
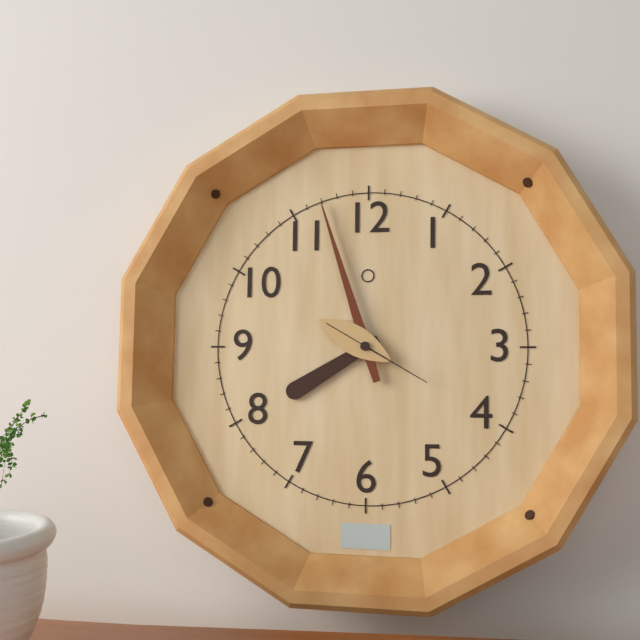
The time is 7,57,20
